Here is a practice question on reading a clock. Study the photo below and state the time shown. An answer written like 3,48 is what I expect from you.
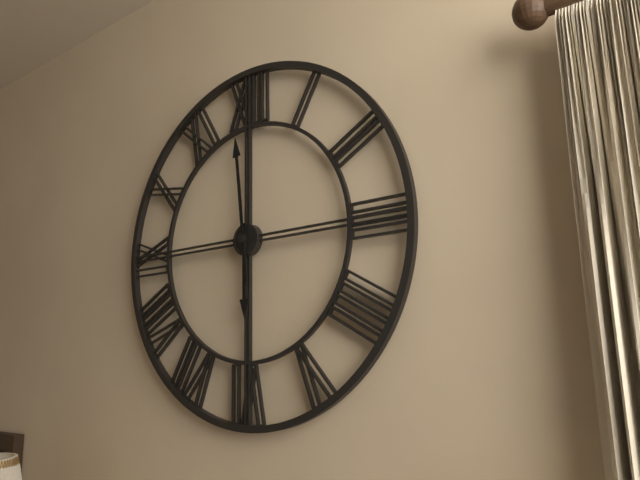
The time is 5,59
